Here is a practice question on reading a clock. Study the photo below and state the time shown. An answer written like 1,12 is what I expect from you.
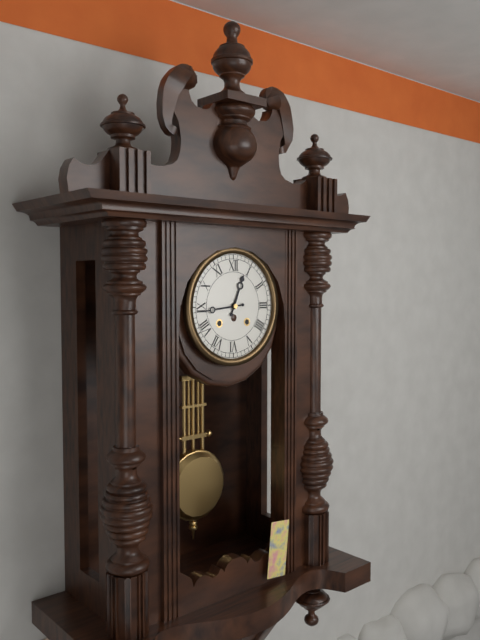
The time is 12,44
